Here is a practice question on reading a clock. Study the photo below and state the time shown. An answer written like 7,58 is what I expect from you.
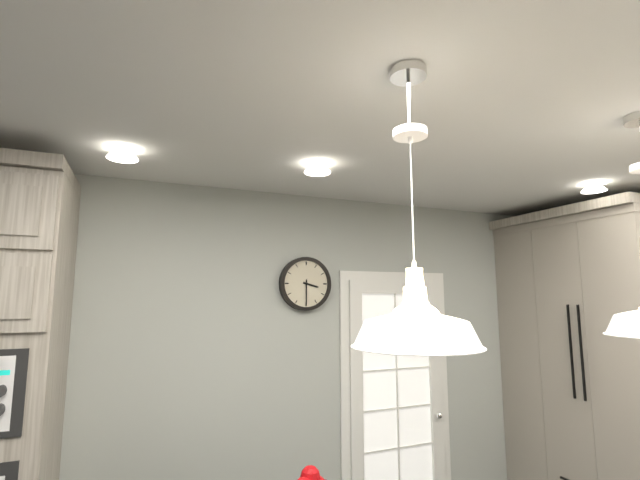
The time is 3,30
